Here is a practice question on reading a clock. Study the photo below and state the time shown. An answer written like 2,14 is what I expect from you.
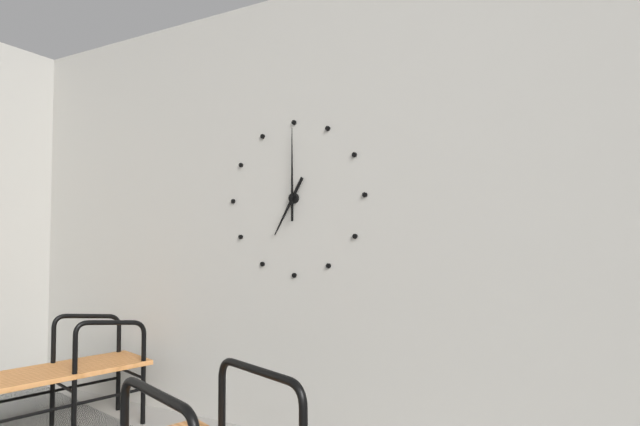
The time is 7,00
